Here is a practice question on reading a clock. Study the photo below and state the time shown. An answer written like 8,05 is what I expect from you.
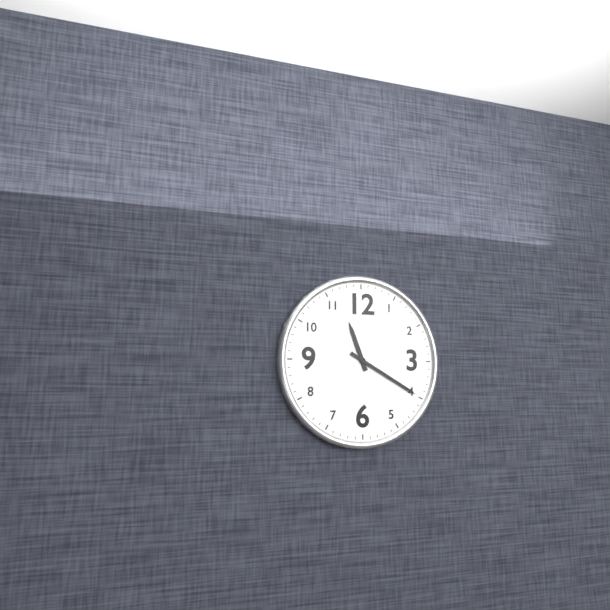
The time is 11,20
